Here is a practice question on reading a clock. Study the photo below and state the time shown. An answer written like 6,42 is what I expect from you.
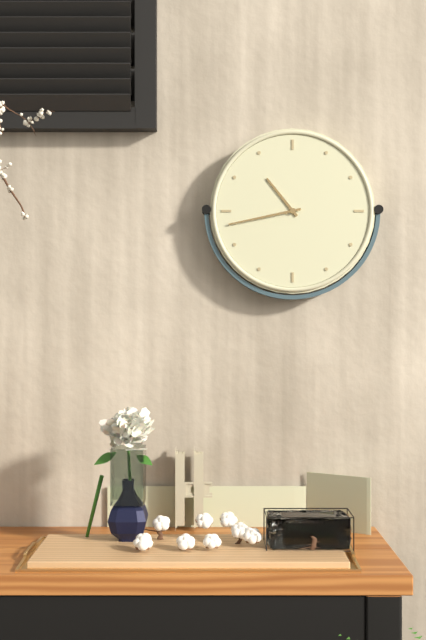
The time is 10,43
